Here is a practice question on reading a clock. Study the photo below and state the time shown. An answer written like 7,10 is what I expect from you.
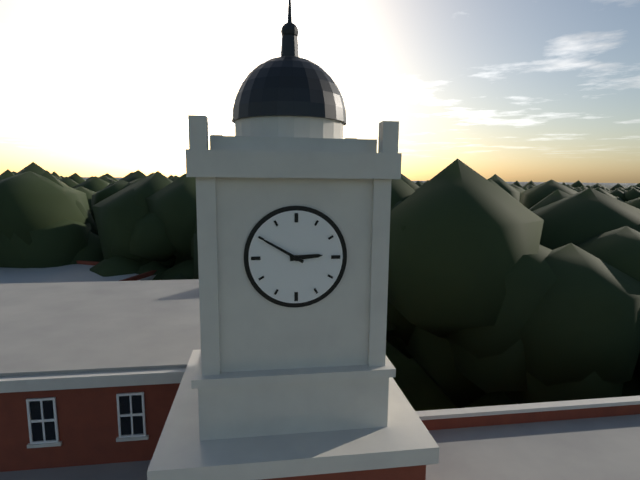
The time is 2,50
